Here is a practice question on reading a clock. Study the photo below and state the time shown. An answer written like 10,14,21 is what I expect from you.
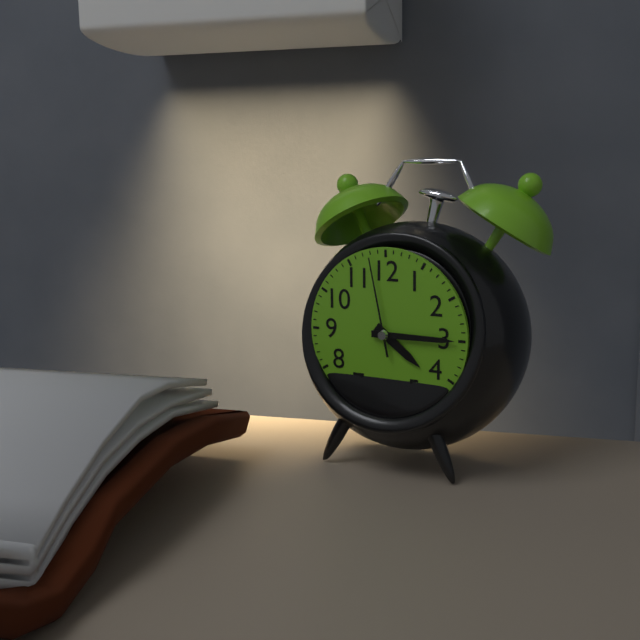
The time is 4,15,58
